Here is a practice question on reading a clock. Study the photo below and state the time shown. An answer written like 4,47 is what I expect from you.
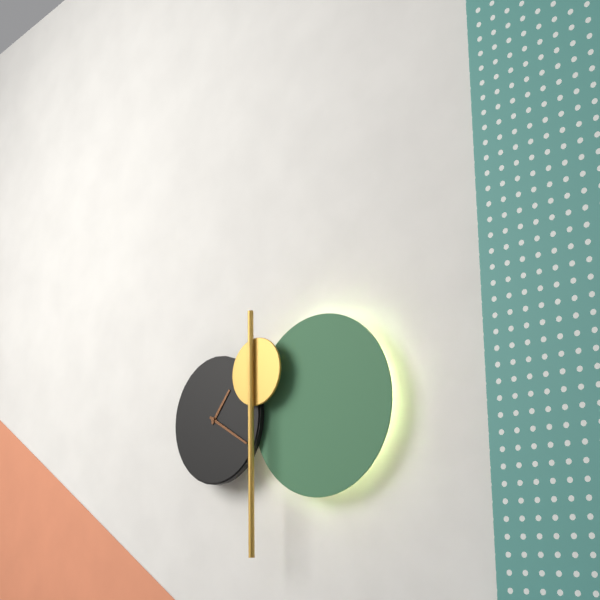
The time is 1,20
